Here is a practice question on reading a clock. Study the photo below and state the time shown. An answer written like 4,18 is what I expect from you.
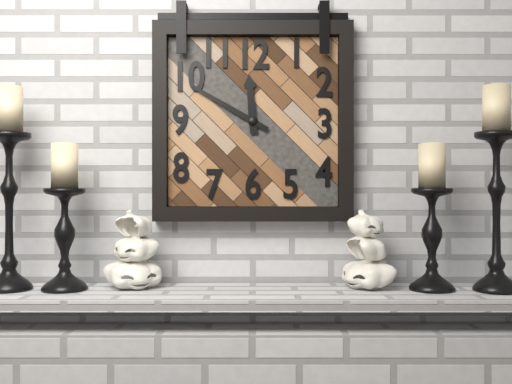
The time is 11,50
